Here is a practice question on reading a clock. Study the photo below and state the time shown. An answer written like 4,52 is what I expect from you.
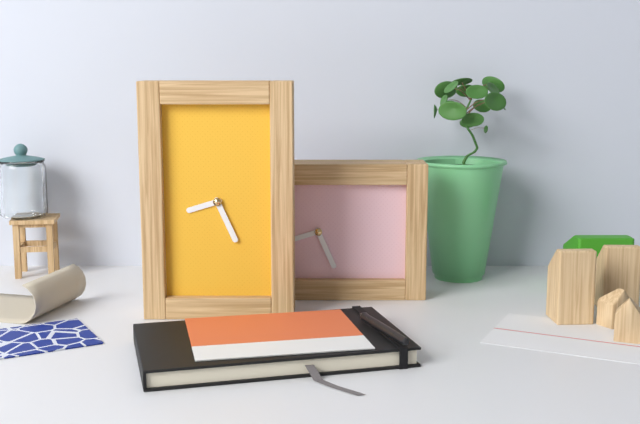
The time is 8,26
